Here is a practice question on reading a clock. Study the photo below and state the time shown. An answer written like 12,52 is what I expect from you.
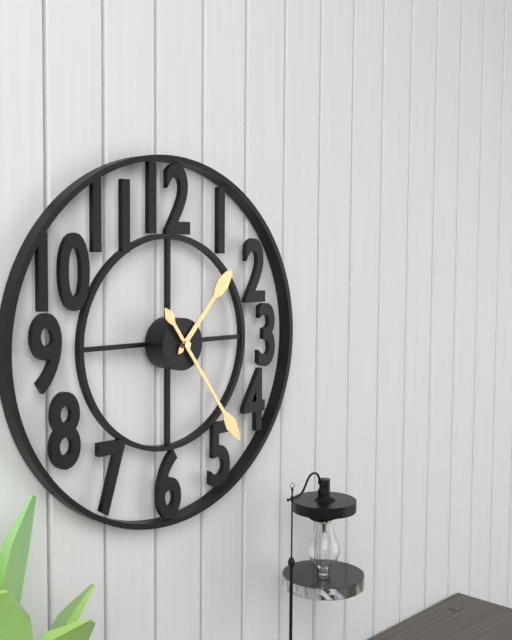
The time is 1,24
